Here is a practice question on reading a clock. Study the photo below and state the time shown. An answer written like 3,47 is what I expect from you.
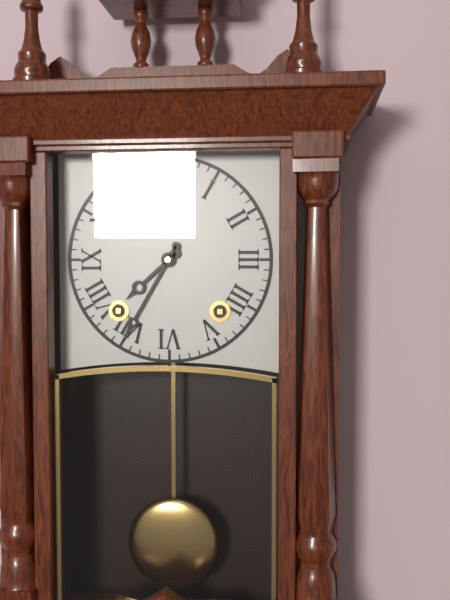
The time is 7,35
